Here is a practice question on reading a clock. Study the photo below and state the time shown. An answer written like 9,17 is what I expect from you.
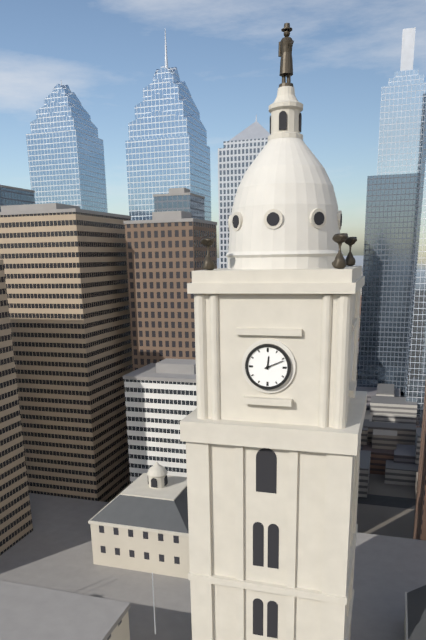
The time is 12,11
